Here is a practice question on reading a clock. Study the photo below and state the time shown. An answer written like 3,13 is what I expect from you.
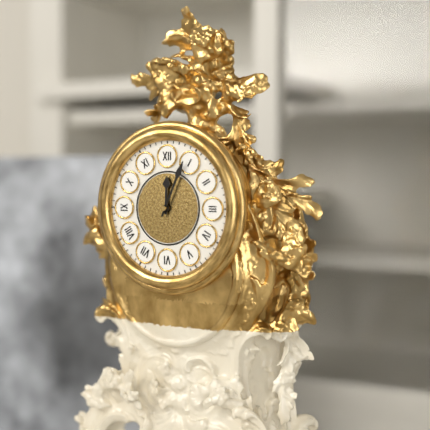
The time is 12,04
